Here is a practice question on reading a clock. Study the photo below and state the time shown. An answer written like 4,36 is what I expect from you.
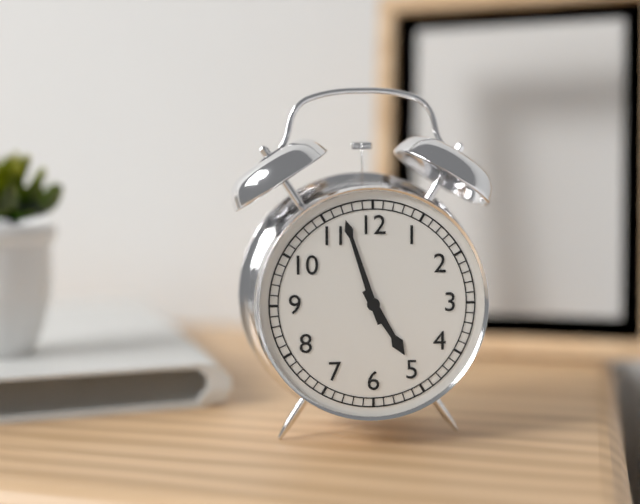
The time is 4,57
